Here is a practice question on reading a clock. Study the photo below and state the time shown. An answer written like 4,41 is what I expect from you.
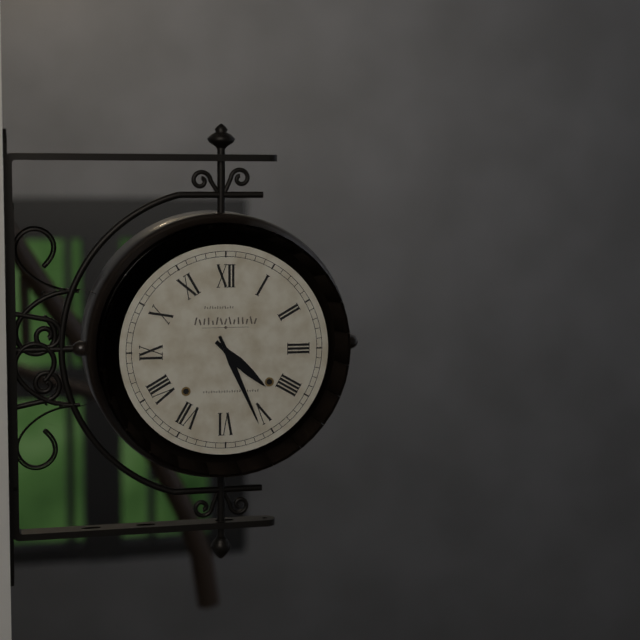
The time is 4,26
